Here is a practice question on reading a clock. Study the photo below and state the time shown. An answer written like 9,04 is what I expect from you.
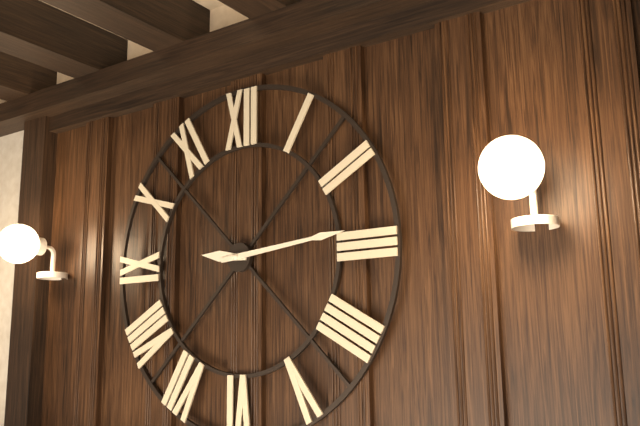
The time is 9,14
